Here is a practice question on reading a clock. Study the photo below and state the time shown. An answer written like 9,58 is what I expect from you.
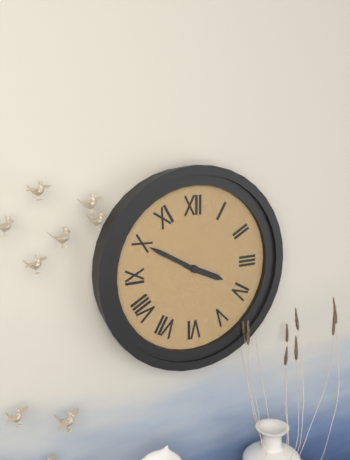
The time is 3,50
